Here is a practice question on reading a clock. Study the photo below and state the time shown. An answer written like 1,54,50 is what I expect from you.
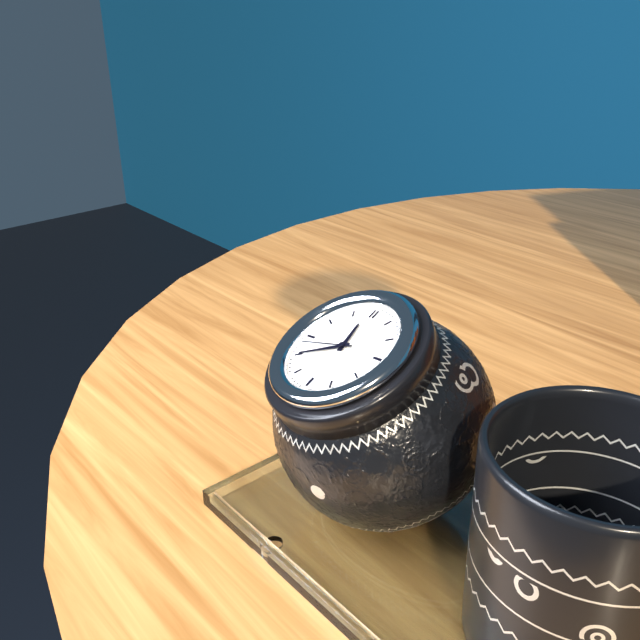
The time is 11,40,43
